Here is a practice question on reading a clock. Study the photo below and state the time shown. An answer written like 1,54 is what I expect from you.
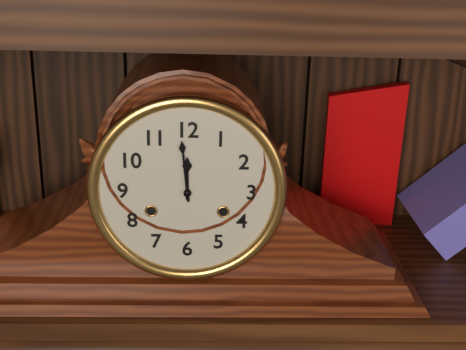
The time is 11,59
